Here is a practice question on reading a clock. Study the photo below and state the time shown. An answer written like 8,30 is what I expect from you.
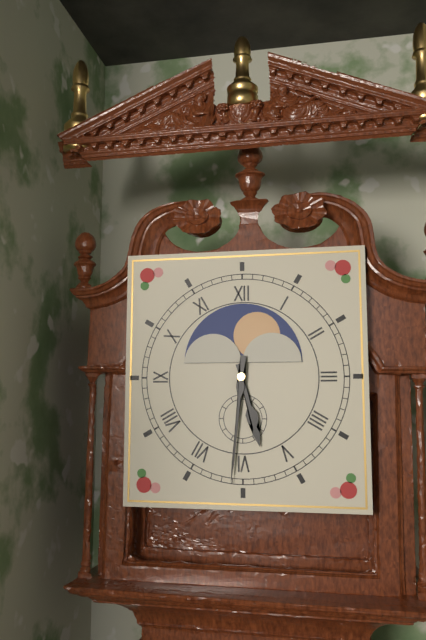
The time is 5,31
